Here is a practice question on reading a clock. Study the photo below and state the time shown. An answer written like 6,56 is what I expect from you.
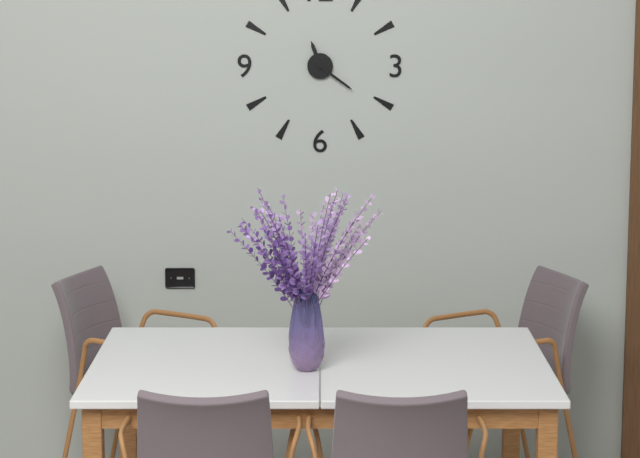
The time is 11,21
